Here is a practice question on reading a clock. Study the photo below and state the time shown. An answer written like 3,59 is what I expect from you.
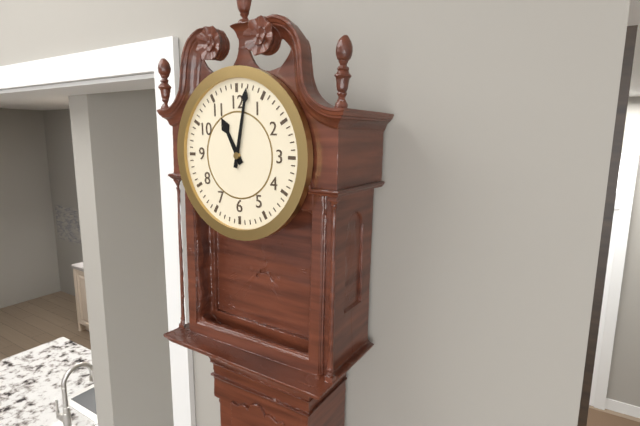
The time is 11,02
